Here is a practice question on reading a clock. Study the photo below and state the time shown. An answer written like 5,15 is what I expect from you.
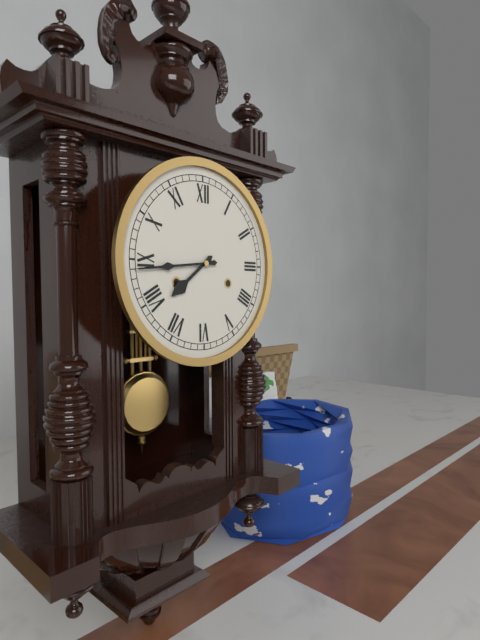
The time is 7,44
